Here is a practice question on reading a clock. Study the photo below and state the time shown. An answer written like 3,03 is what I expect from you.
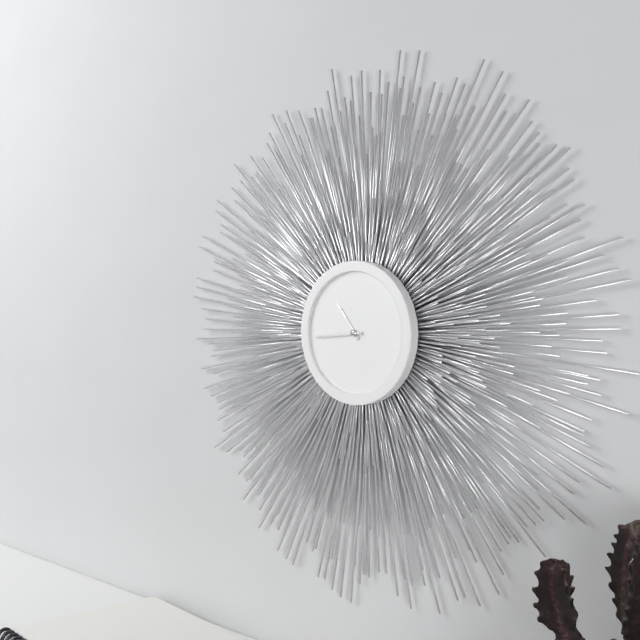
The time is 10,44
